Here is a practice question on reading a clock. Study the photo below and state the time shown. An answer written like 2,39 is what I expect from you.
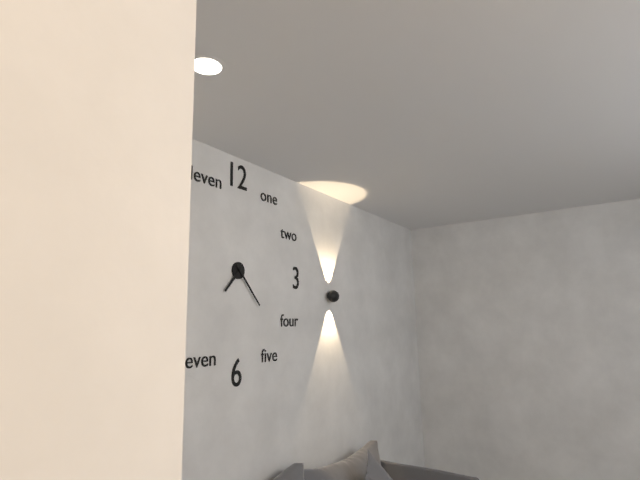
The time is 7,23
